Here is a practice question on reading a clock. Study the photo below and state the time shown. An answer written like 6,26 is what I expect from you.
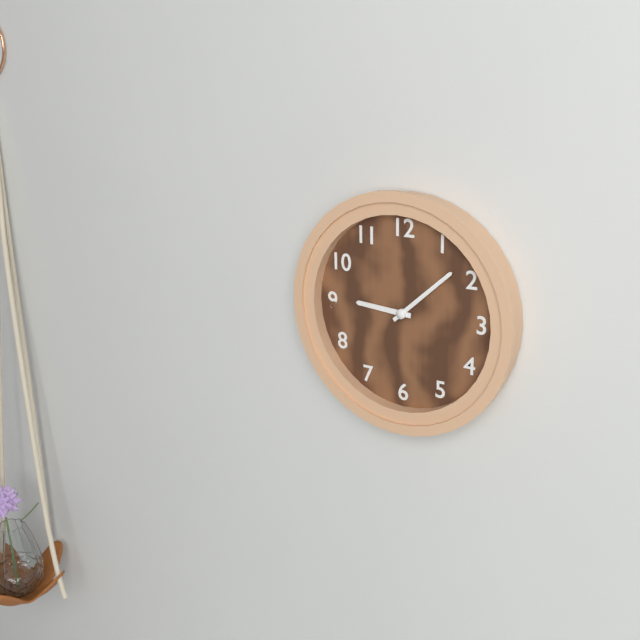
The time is 9,08
